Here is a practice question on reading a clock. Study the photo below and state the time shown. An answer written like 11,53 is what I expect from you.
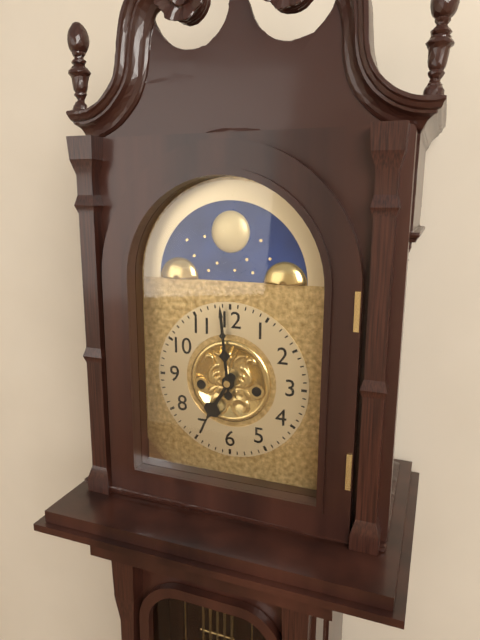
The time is 6,59
